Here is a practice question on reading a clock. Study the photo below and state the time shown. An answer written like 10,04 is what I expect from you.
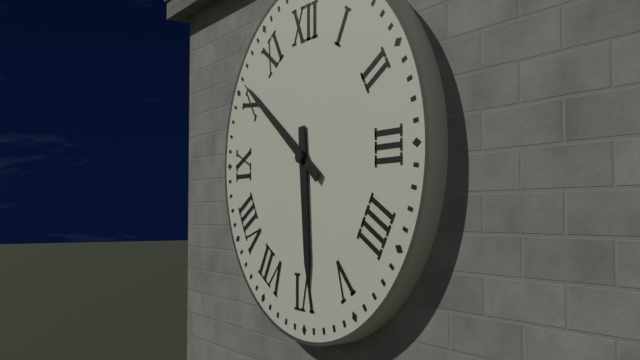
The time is 5,51
